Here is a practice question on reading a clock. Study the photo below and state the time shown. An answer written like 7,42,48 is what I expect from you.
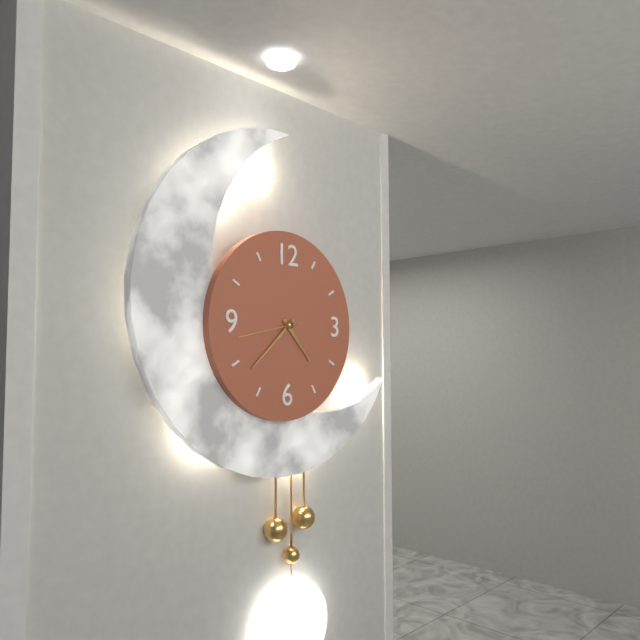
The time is 4,38,43
